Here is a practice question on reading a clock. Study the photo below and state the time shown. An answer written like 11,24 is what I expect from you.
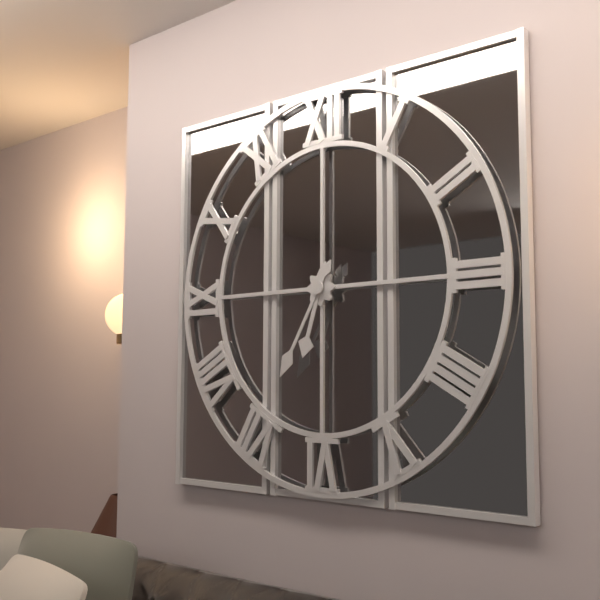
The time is 6,35
